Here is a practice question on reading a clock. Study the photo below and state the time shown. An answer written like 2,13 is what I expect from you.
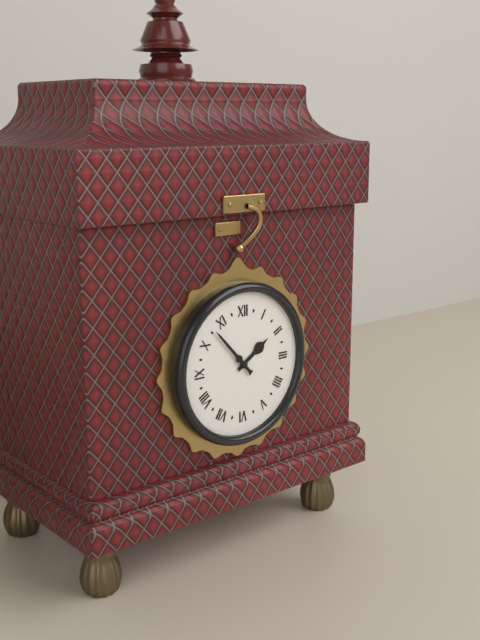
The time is 1,53
